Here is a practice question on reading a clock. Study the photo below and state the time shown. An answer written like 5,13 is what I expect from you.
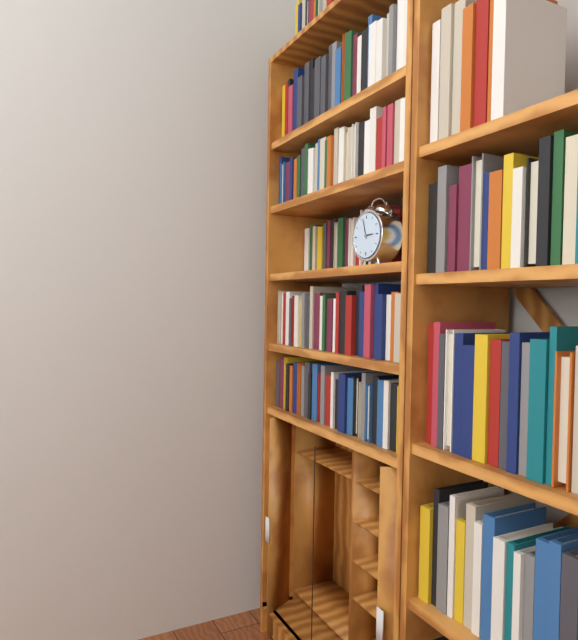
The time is 2,57
